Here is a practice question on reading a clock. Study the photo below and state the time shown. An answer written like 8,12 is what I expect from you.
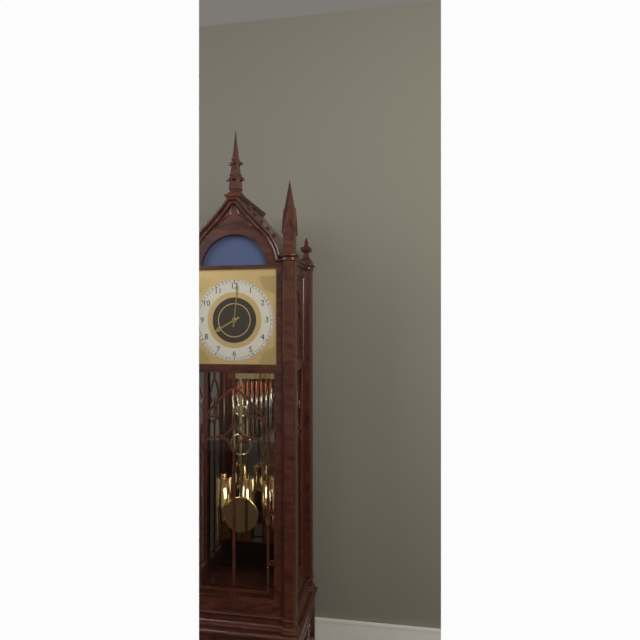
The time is 8,01
